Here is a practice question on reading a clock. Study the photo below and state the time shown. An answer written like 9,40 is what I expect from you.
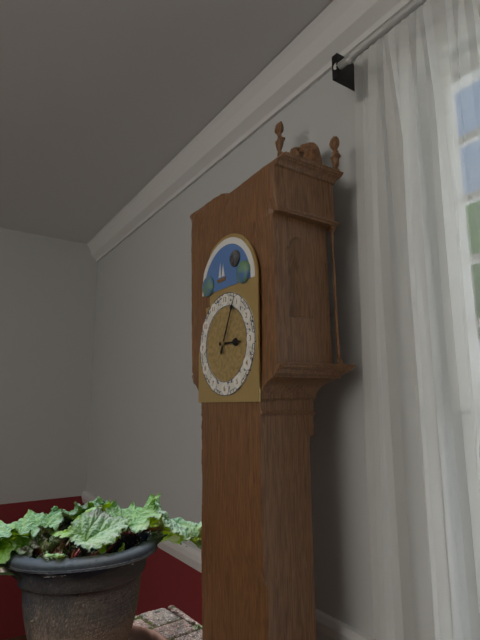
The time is 3,04
